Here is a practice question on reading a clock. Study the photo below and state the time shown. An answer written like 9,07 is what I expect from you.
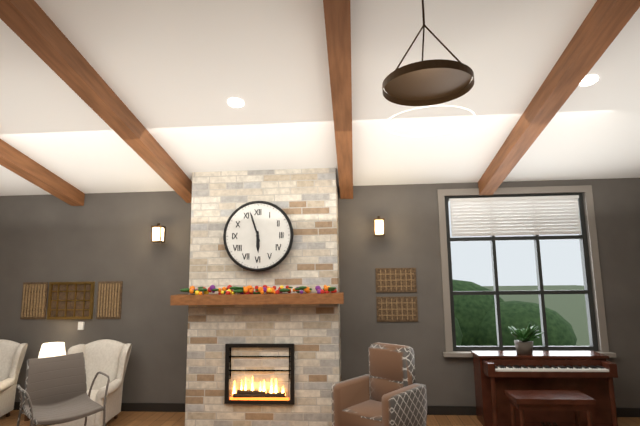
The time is 5,57
